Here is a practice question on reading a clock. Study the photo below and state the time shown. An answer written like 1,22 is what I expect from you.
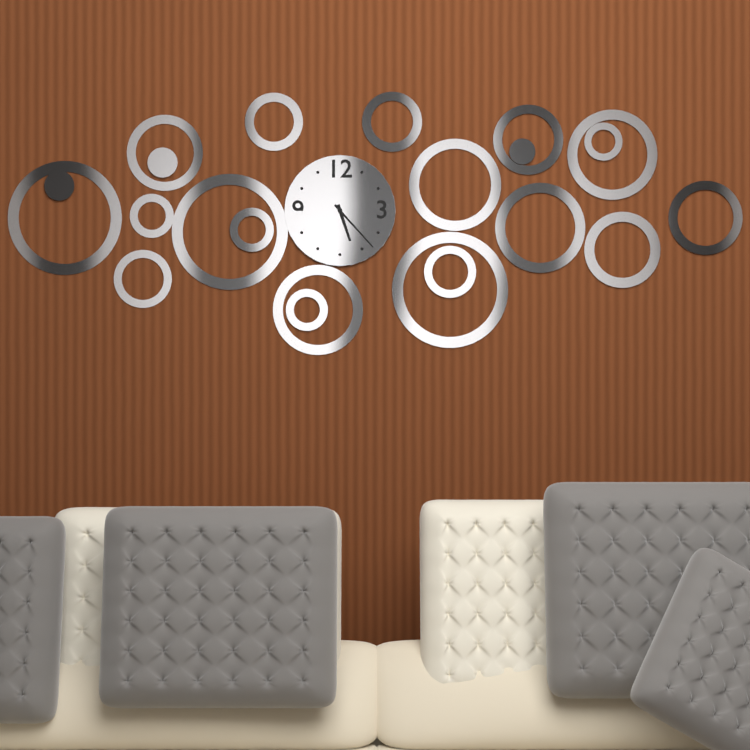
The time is 5,23
